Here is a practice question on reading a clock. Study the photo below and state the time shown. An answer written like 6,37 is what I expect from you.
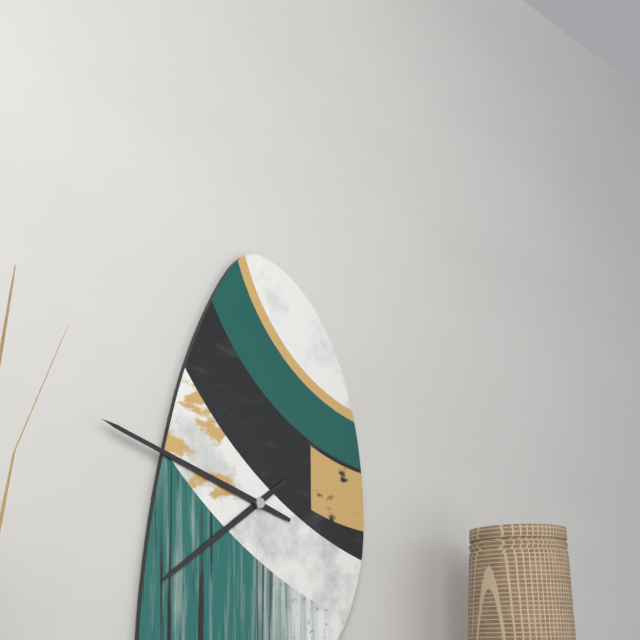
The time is 7,48
